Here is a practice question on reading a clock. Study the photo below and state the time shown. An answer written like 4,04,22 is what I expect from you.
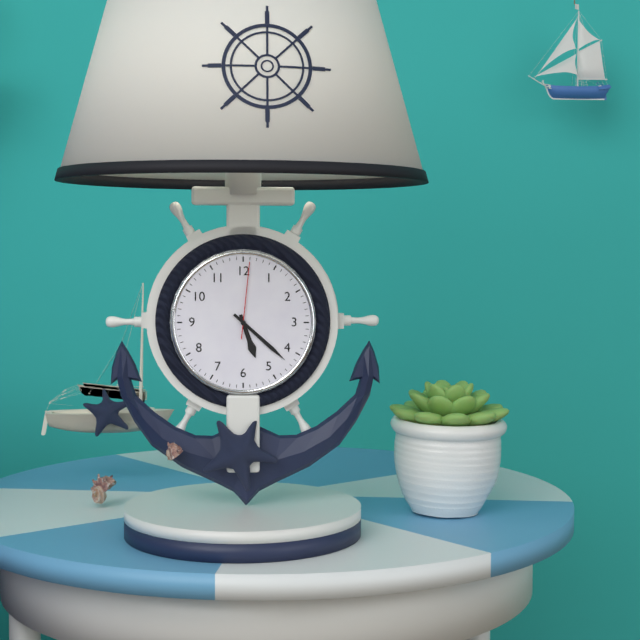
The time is 5,22,01
